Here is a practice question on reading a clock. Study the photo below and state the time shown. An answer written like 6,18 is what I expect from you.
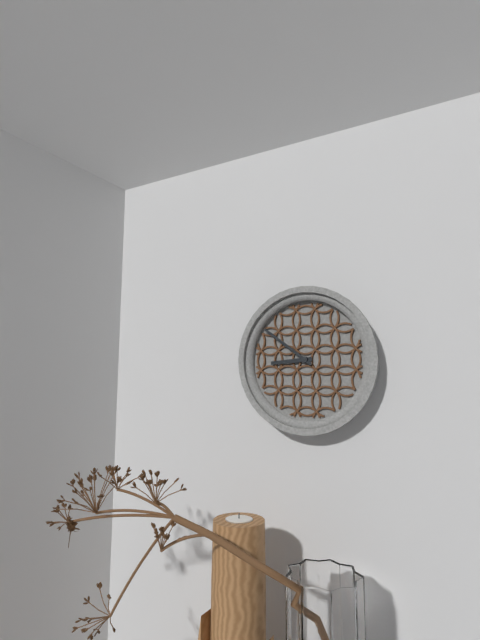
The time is 8,51
